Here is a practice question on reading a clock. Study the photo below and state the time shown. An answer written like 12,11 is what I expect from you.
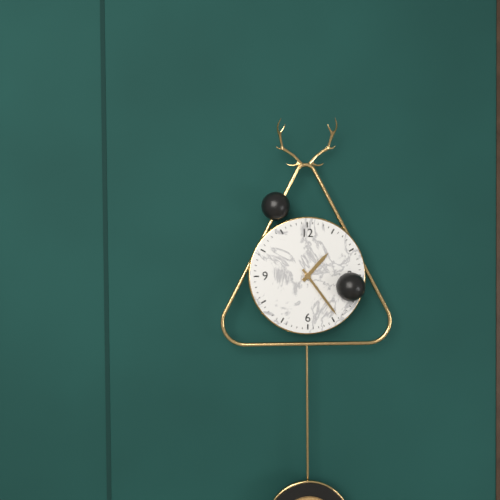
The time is 1,24
